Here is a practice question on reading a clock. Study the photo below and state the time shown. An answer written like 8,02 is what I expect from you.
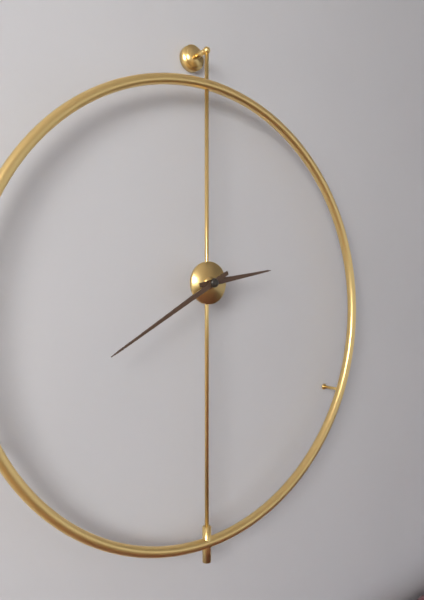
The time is 2,40
